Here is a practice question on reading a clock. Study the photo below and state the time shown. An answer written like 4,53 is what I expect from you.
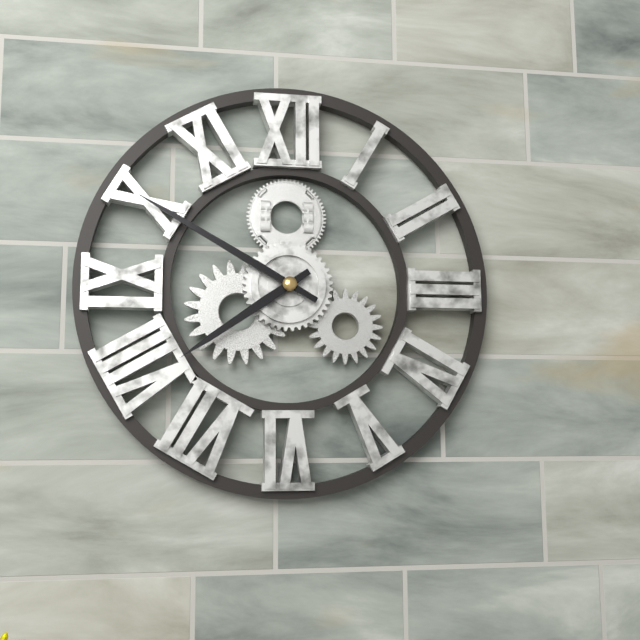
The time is 7,50
